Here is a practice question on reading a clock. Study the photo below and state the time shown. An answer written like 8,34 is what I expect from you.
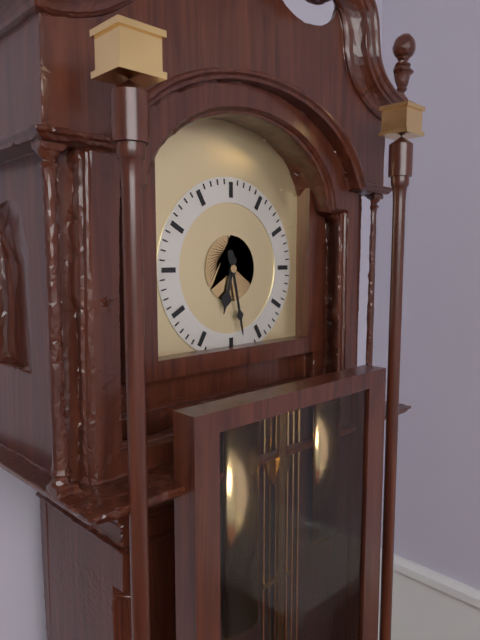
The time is 6,28
